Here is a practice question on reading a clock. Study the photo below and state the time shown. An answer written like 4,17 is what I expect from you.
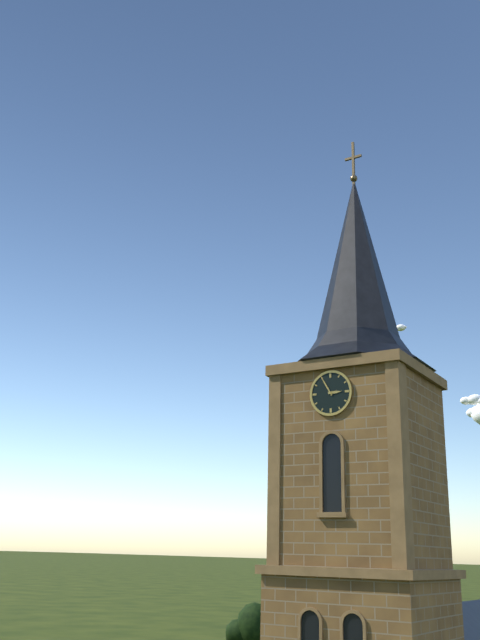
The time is 2,55
